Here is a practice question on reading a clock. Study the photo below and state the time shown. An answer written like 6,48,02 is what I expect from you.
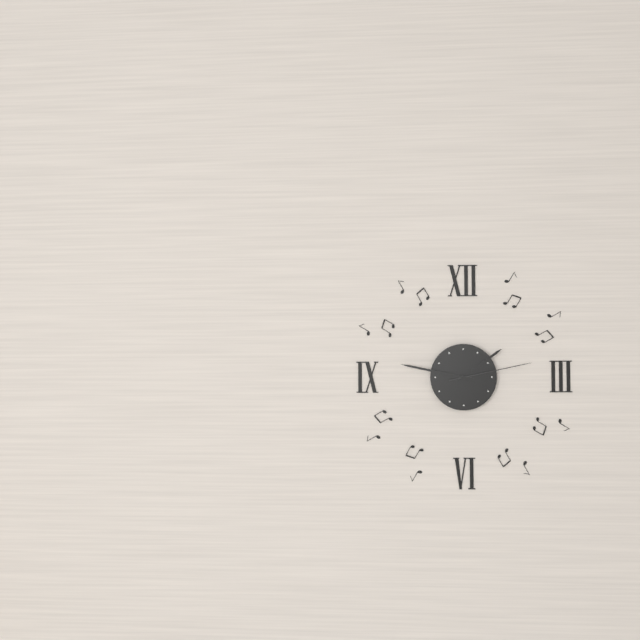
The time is 1,47,13
